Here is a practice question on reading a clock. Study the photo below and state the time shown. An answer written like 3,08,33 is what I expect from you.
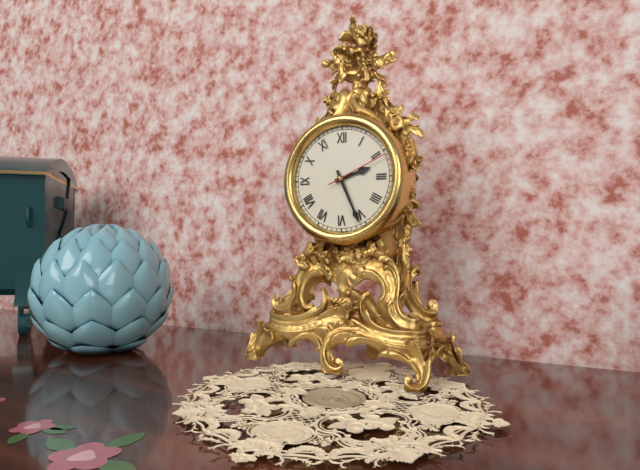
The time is 2,26,11
